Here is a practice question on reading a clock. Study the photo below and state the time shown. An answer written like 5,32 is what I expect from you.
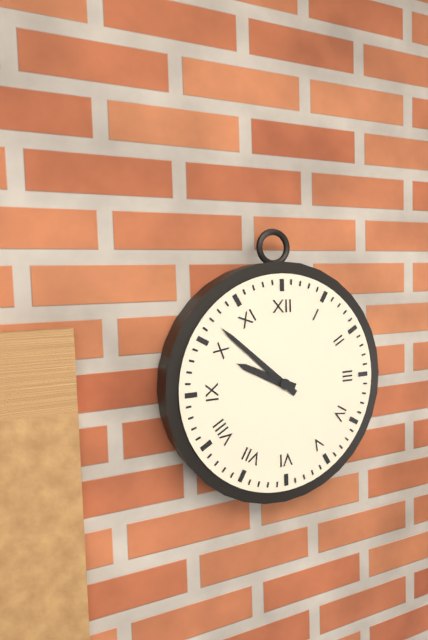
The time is 9,52
